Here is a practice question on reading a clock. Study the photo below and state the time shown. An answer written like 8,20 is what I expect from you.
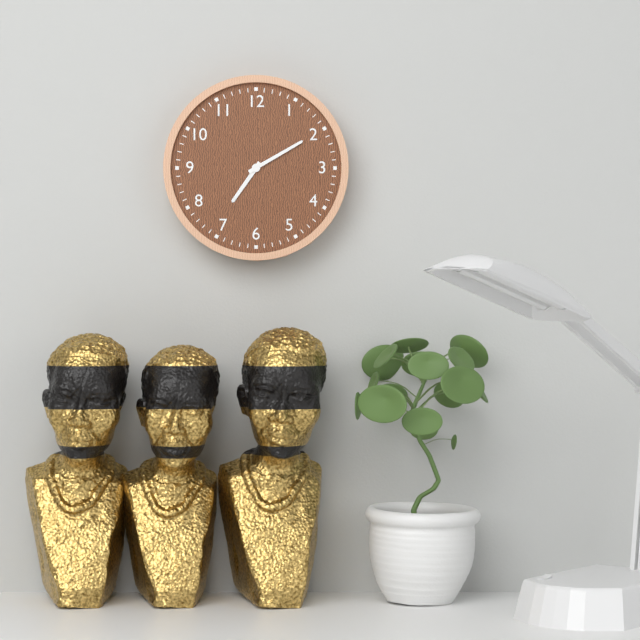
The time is 7,10
